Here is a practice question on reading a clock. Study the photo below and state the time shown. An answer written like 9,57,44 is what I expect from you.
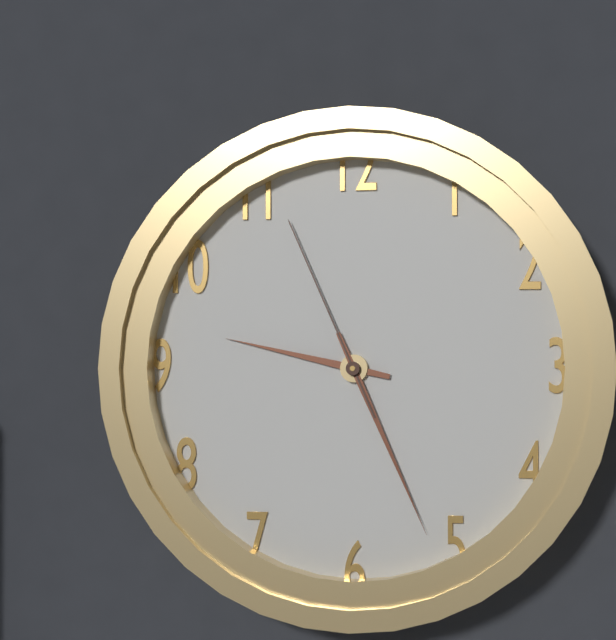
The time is 9,26,56
